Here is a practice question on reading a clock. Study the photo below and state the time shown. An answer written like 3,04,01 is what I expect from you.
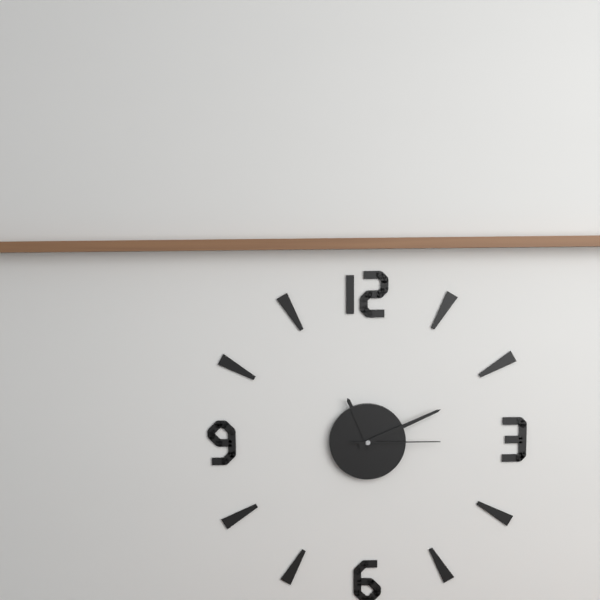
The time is 11,11,15
